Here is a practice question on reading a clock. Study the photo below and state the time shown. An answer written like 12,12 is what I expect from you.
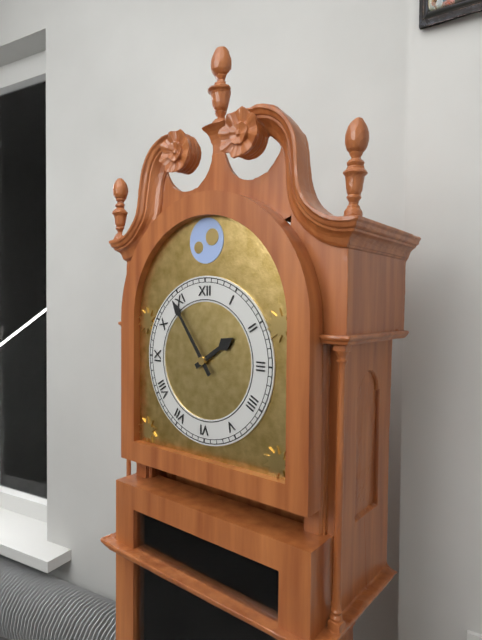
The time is 1,54
